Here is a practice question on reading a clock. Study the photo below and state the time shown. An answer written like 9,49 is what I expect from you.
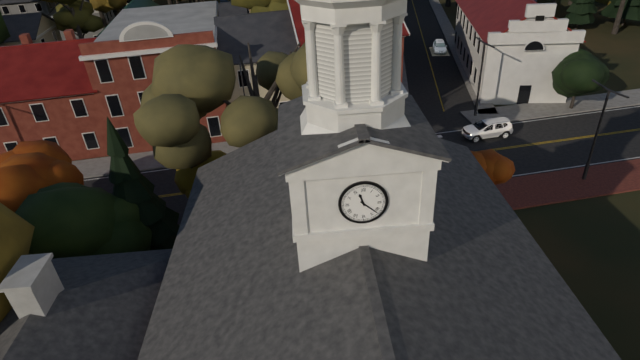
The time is 11,22
